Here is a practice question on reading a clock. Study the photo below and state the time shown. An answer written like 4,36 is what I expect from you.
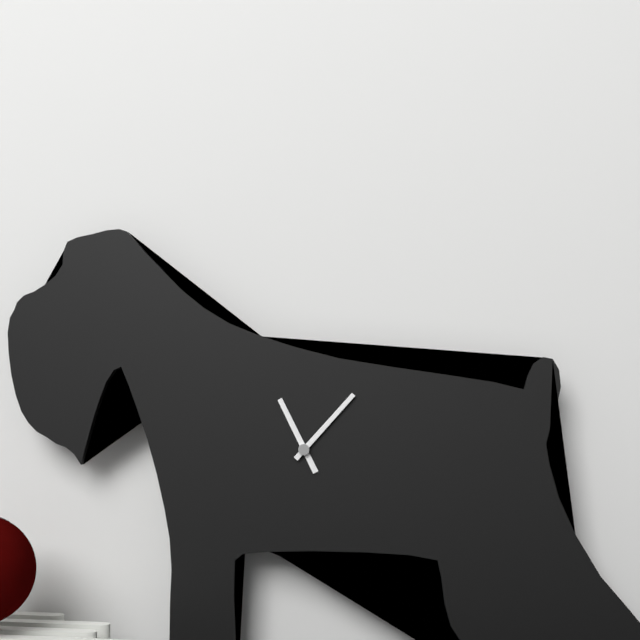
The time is 11,07
